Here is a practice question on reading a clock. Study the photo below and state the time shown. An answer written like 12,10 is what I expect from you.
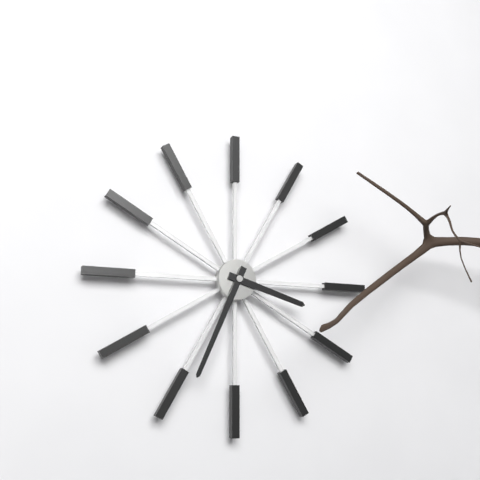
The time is 3,34
